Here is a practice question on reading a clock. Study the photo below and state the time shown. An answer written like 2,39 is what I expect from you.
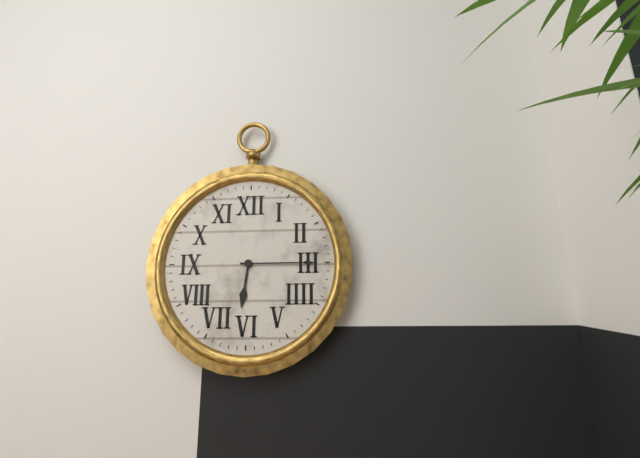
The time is 6,15
